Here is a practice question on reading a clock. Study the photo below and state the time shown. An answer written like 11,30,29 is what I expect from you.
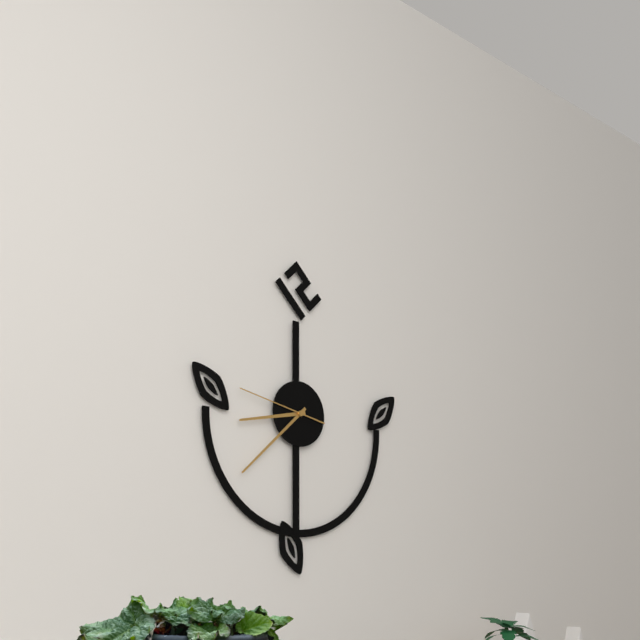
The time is 8,38,47
